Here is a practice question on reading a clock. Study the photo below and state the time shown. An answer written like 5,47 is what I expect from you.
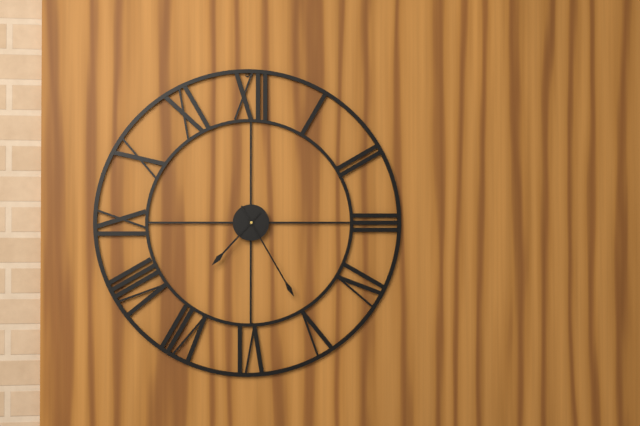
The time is 7,25
